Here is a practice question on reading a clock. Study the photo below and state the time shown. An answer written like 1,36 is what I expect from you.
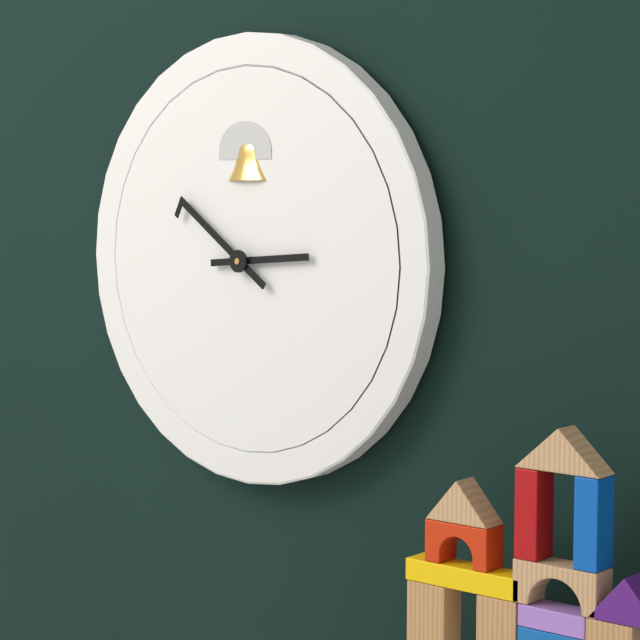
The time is 2,51
